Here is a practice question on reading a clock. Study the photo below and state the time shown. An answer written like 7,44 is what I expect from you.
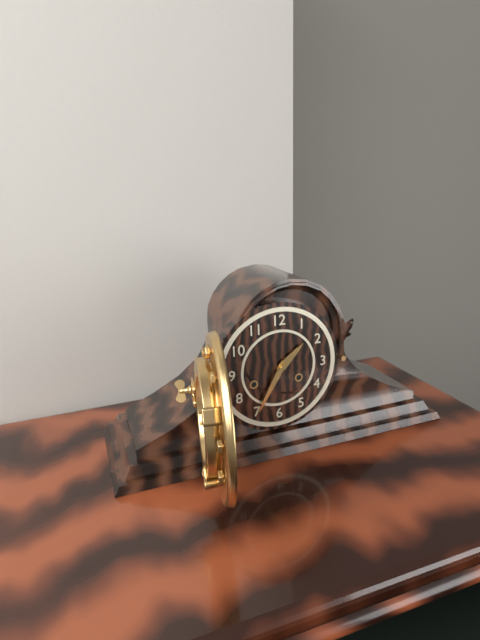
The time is 1,35
